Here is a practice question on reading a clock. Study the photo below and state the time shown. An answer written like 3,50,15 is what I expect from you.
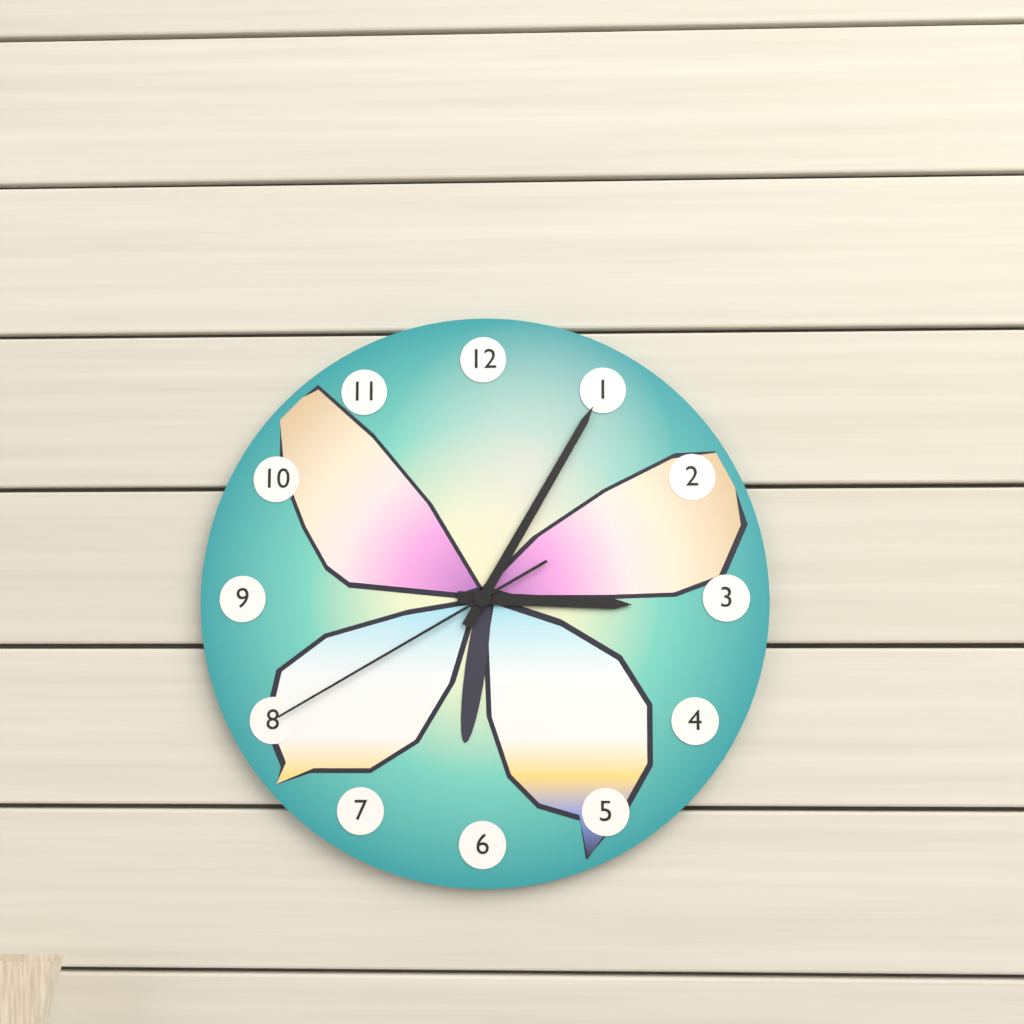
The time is 3,05,40
